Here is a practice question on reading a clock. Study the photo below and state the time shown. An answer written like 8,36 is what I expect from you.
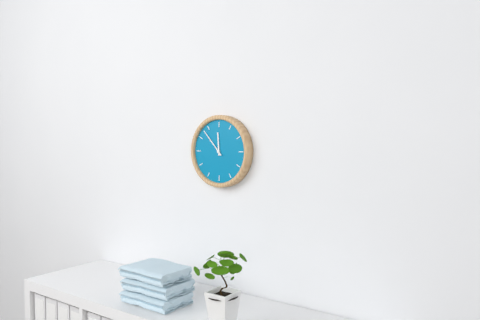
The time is 11,53
